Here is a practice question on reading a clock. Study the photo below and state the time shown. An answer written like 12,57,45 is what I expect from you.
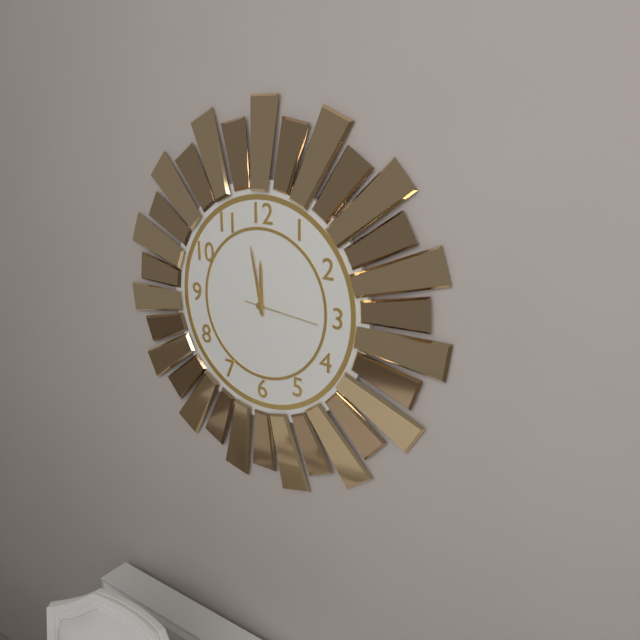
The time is 11,58,16
